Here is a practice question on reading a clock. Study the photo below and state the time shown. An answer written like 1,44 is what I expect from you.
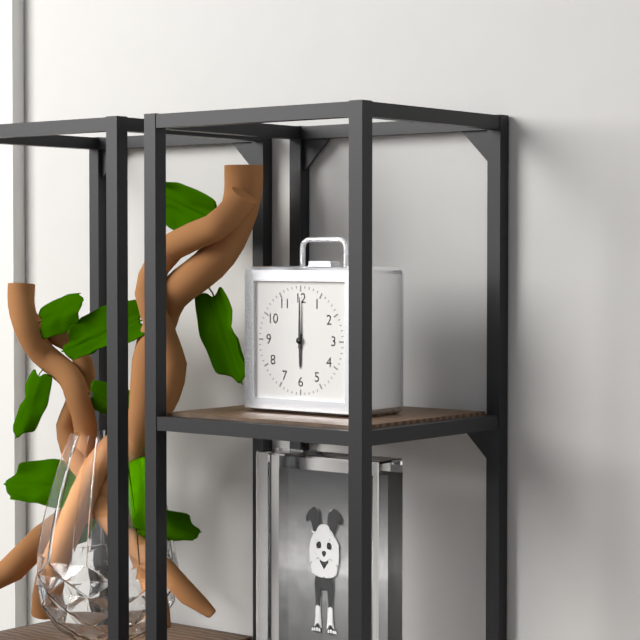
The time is 6,00
